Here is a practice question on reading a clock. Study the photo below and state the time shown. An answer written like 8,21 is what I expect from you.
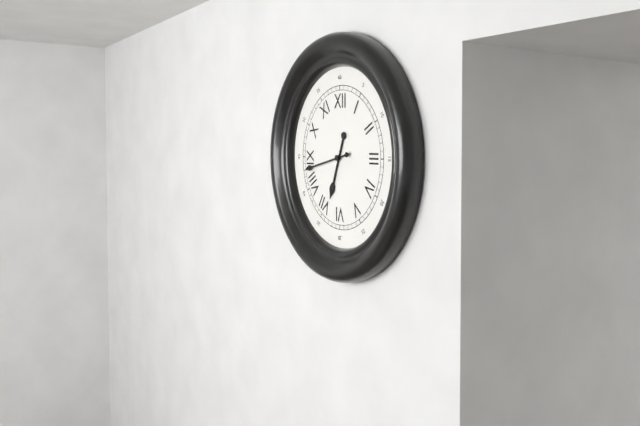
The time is 6,43
